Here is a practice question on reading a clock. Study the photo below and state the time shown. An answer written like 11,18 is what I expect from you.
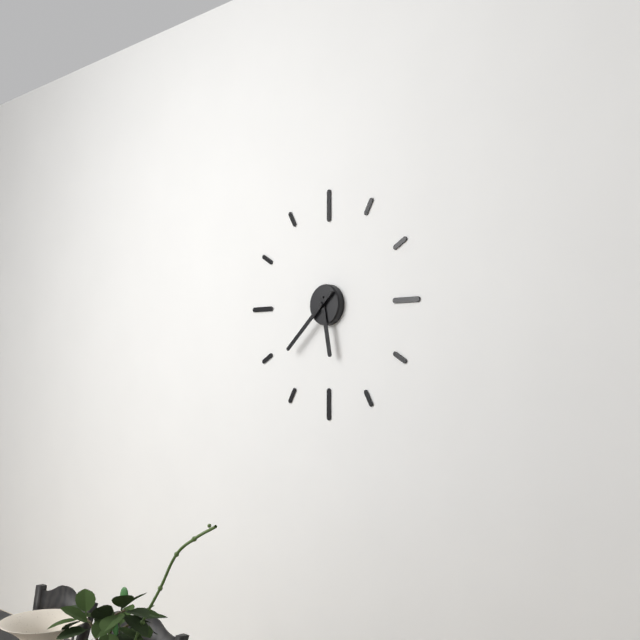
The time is 5,38
